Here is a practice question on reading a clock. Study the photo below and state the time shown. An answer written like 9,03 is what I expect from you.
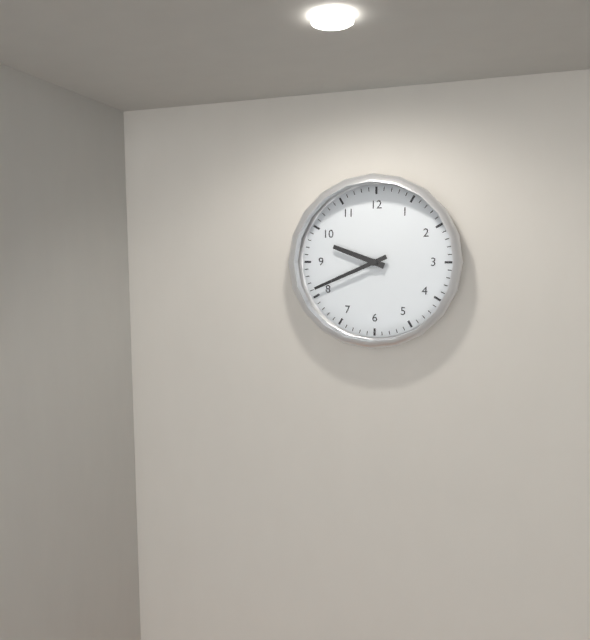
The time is 9,41
